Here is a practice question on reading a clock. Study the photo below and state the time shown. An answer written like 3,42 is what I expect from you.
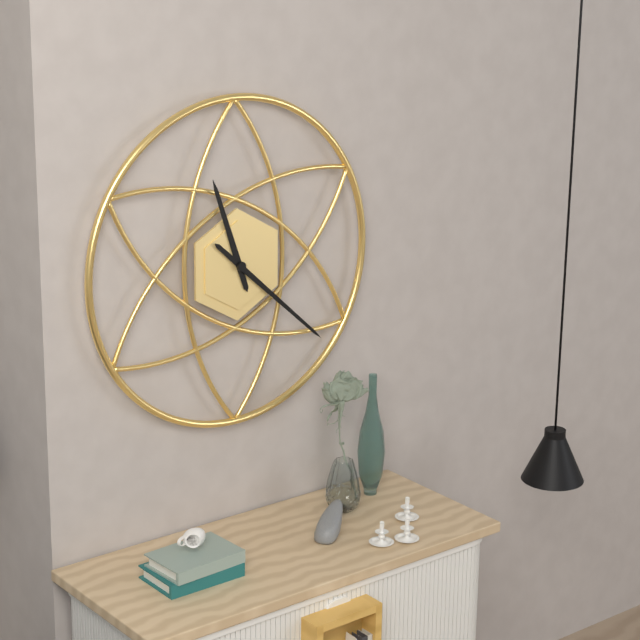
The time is 11,22
